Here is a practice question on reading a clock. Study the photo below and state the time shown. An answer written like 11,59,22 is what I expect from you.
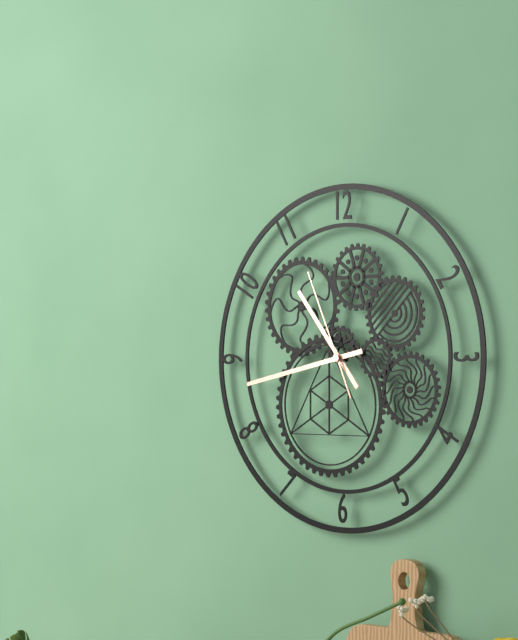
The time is 10,43,56
